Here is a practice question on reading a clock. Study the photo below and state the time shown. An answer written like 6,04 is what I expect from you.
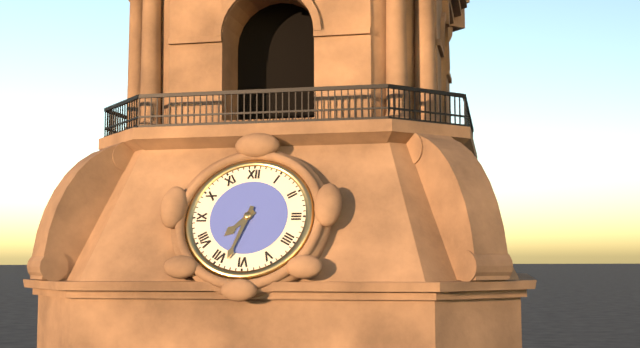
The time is 7,33
